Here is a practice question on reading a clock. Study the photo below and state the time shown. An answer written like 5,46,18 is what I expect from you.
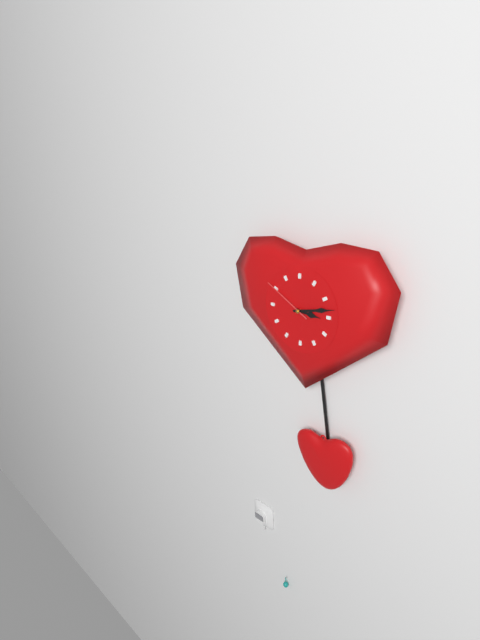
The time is 3,13,50
